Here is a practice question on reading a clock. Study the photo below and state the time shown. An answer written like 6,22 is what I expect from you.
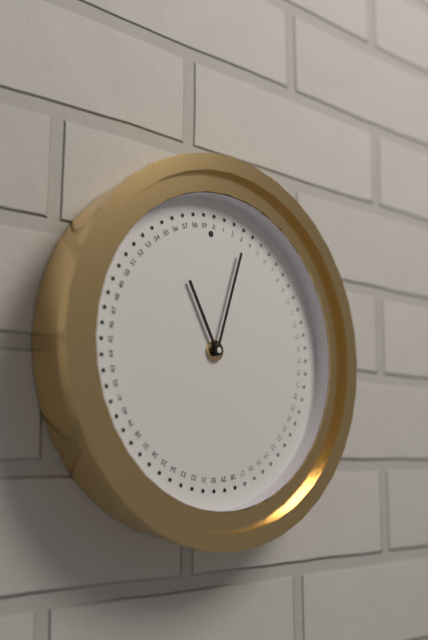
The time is 11,03
